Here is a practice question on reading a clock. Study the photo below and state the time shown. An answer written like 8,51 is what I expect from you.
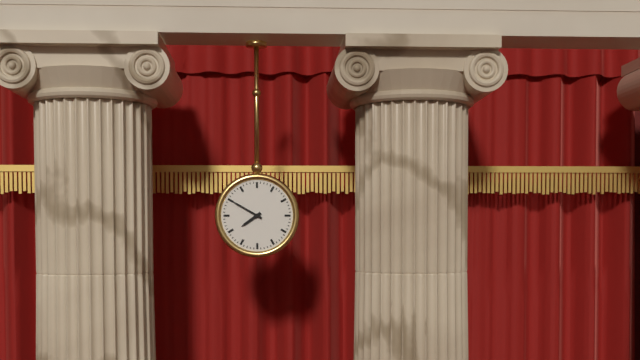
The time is 7,50
